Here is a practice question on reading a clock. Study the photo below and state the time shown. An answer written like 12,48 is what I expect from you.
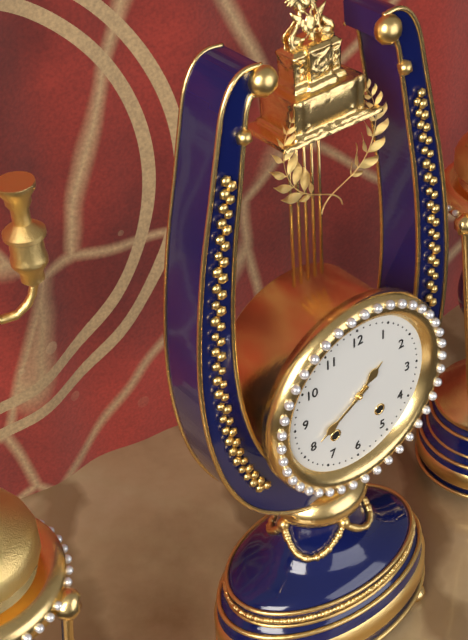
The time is 1,40
